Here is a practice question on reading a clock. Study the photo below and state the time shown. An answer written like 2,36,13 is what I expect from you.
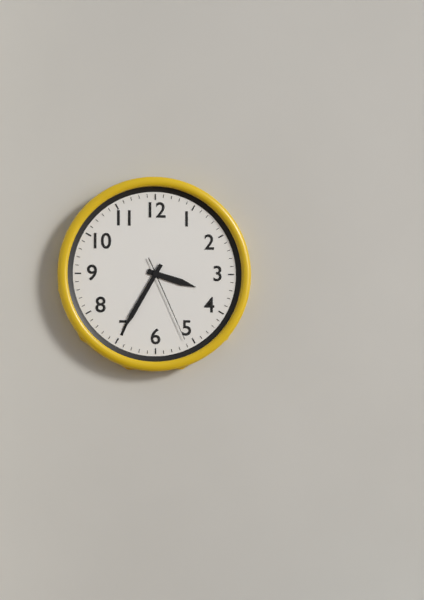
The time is 3,35,26
